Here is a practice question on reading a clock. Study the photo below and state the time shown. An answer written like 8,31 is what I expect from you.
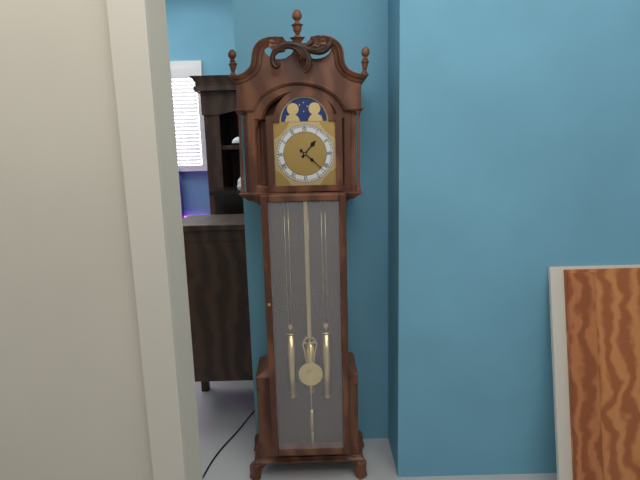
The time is 1,22
